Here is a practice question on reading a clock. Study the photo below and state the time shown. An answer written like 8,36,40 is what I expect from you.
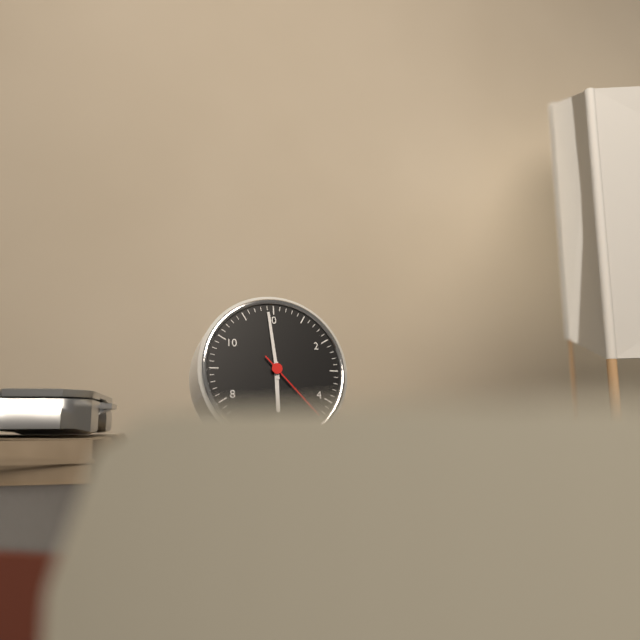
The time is 5,59,23
